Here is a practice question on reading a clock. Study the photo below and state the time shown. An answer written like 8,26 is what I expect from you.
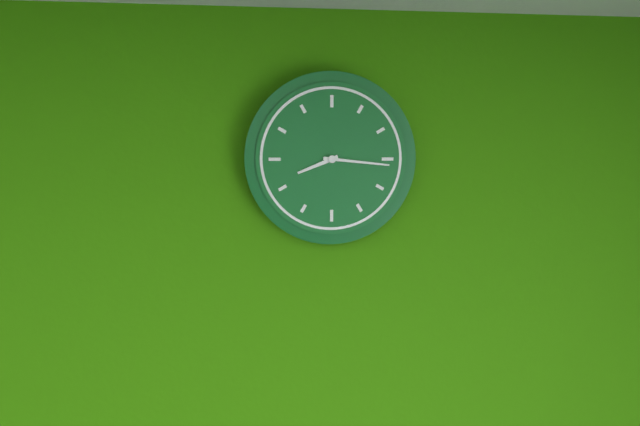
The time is 8,16
